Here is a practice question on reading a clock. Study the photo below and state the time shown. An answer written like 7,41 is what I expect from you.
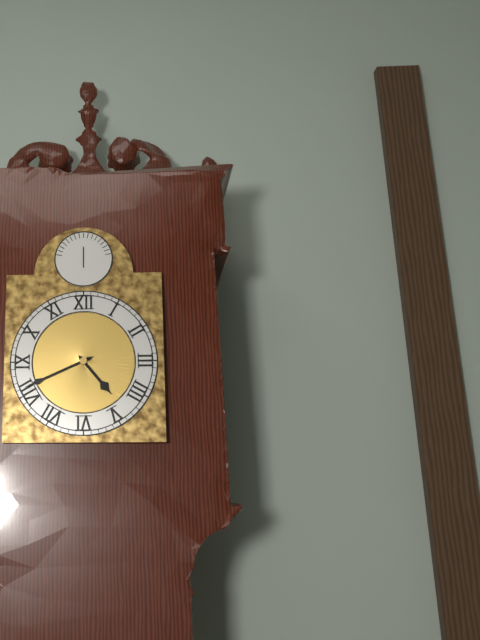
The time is 4,41
